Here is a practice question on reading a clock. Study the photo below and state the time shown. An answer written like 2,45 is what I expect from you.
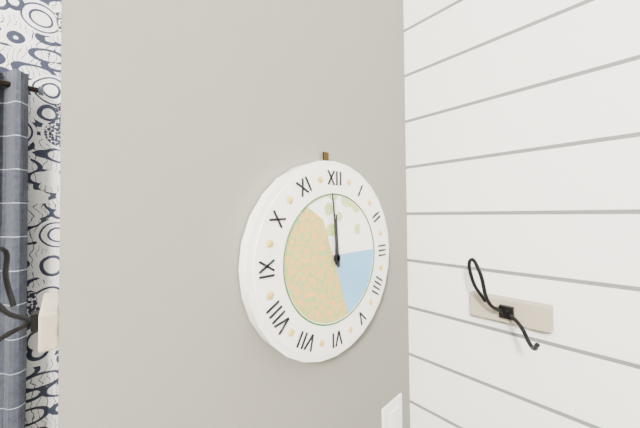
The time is 11,59
